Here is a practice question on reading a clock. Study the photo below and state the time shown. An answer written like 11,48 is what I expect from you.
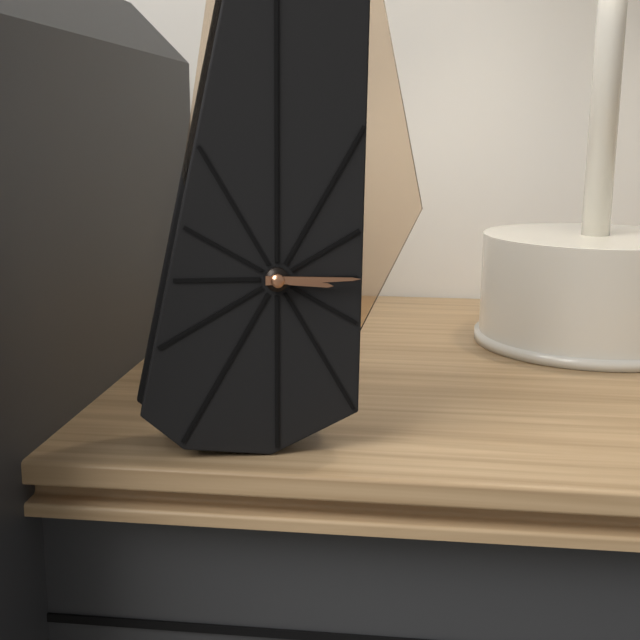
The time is 3,15
